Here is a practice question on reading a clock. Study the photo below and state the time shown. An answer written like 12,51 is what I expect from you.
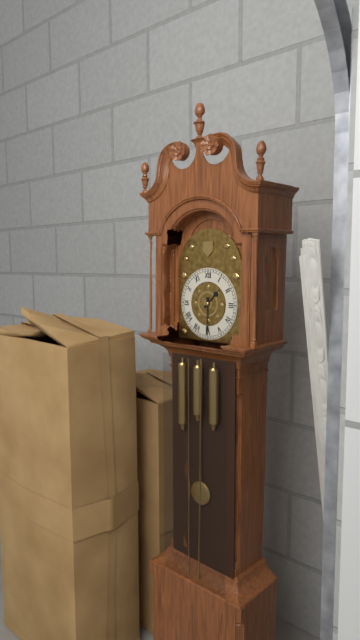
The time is 1,30
